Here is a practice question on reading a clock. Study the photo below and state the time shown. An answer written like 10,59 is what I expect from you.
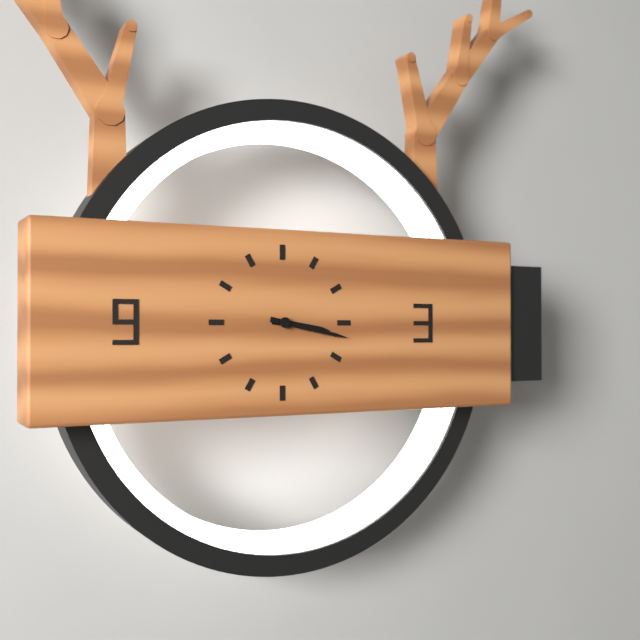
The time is 3,17
